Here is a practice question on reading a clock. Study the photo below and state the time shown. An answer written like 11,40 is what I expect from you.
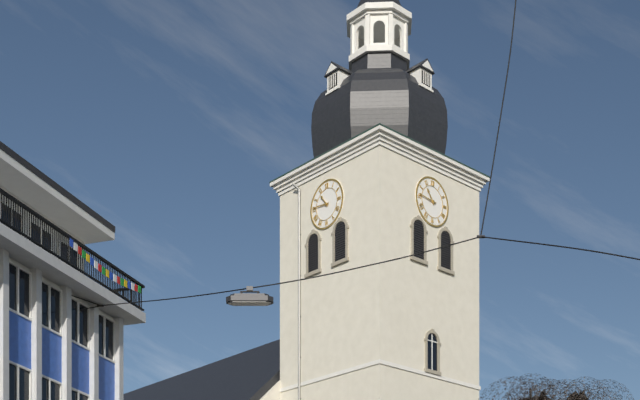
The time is 10,46
